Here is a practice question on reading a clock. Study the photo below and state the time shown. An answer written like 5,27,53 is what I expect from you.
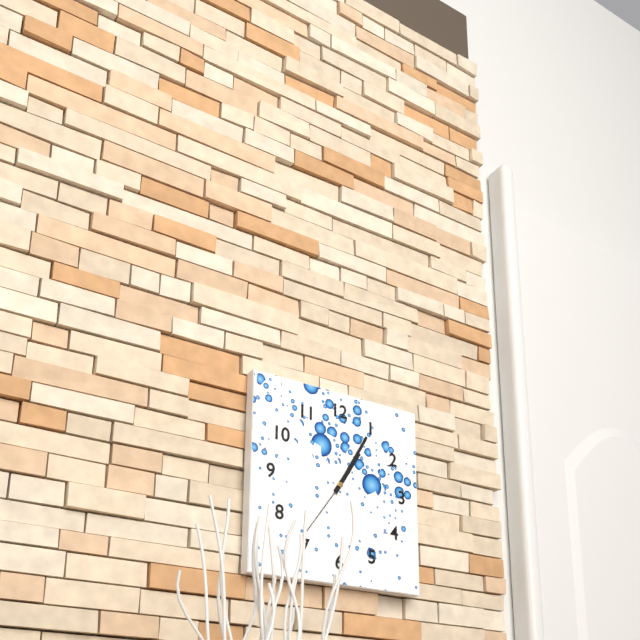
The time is 1,05,36
